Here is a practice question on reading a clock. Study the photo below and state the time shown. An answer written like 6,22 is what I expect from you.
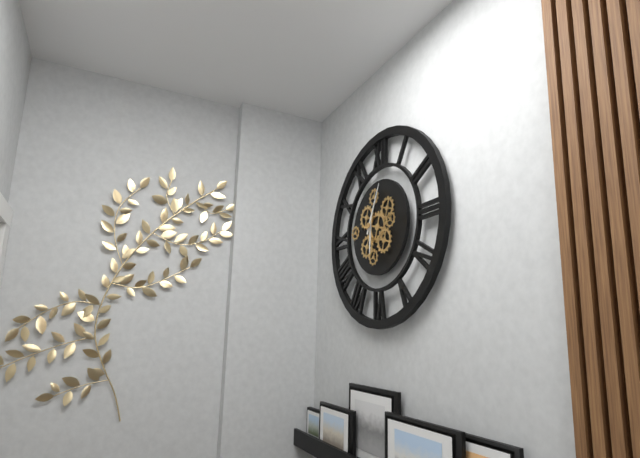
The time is 6,04
